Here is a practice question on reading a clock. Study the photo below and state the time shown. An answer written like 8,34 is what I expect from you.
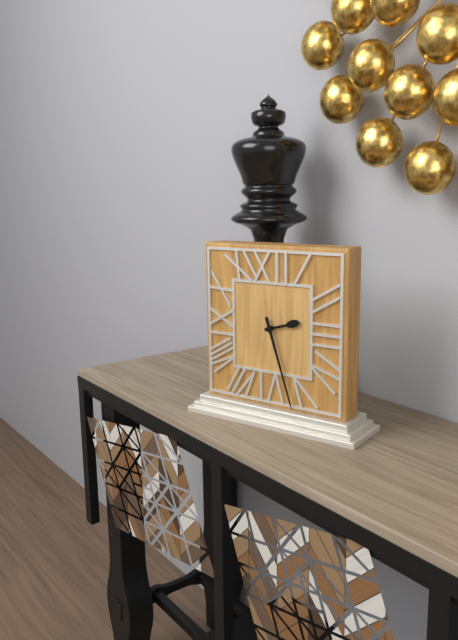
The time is 2,27
